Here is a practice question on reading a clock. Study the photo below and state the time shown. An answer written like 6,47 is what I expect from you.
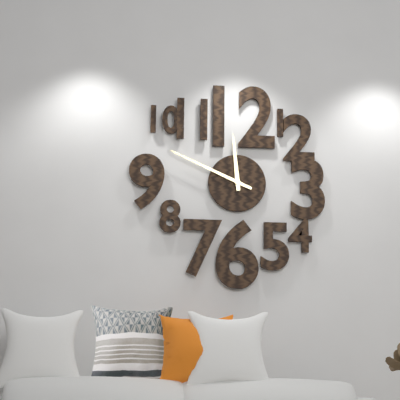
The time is 11,49
